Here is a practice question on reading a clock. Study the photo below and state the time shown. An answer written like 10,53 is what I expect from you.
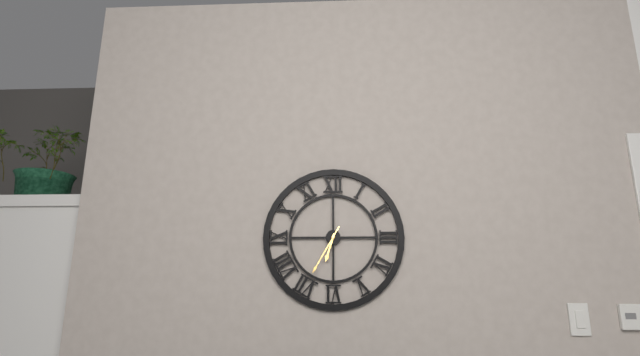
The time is 6,35
